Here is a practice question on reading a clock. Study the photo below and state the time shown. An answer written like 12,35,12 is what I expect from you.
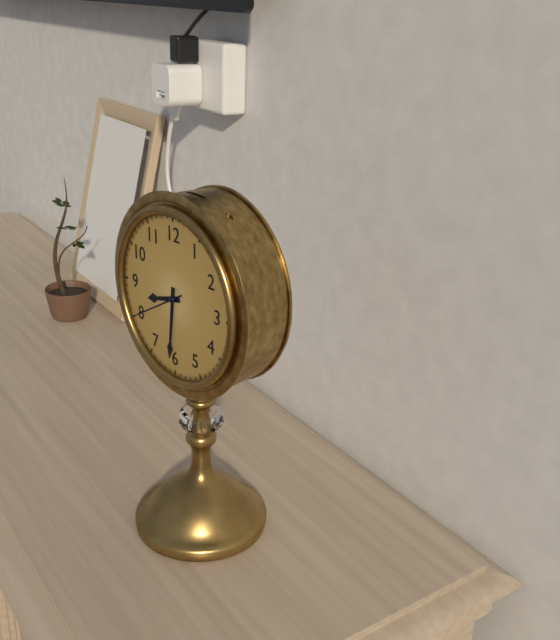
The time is 8,31,40
